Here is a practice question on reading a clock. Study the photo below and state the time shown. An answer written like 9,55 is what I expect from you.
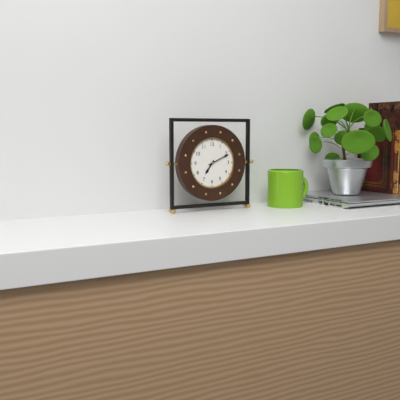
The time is 7,11
